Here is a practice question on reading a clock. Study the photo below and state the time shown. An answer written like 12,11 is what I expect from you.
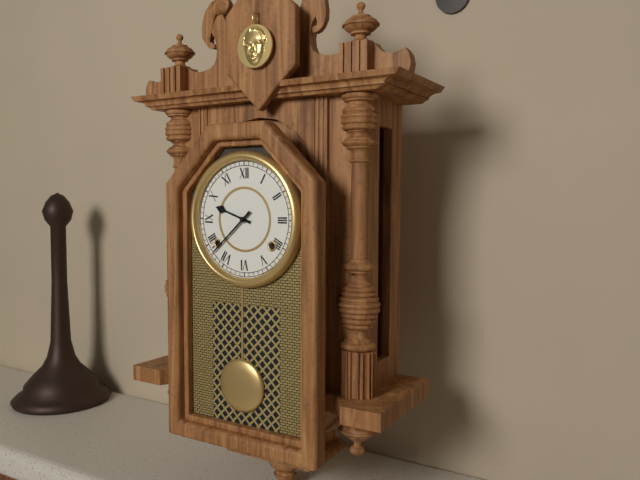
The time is 9,38
